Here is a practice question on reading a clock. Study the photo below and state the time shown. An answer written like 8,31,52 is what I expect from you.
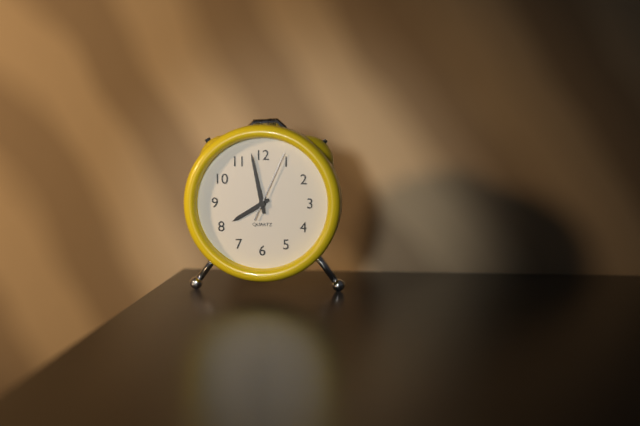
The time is 7,58,04
